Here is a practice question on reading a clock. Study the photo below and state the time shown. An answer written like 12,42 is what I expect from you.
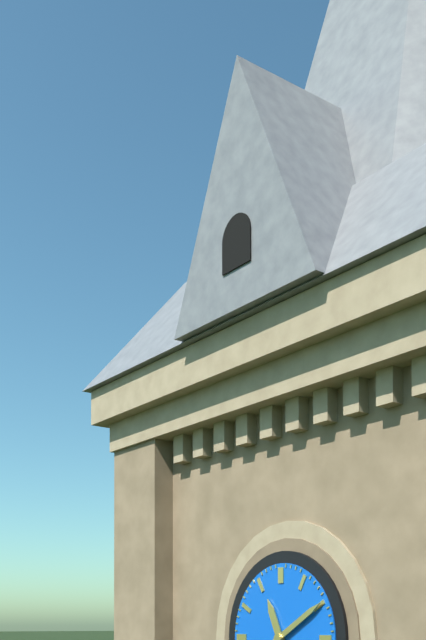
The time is 11,10
